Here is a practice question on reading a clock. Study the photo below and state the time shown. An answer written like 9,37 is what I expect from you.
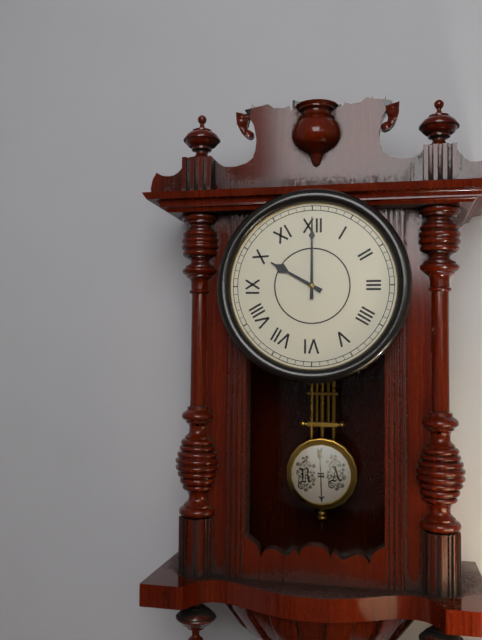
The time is 10,00
